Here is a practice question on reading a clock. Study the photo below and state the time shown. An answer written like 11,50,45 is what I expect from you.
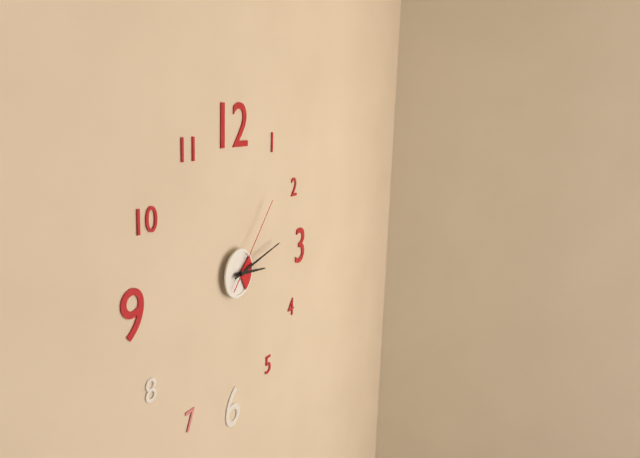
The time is 3,13,07
